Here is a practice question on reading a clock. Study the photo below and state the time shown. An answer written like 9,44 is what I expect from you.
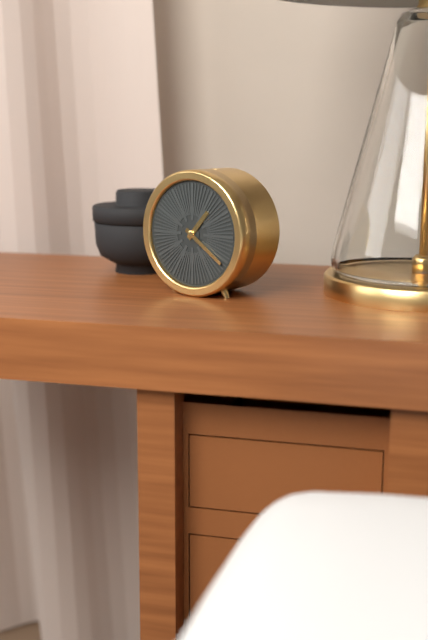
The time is 1,21
